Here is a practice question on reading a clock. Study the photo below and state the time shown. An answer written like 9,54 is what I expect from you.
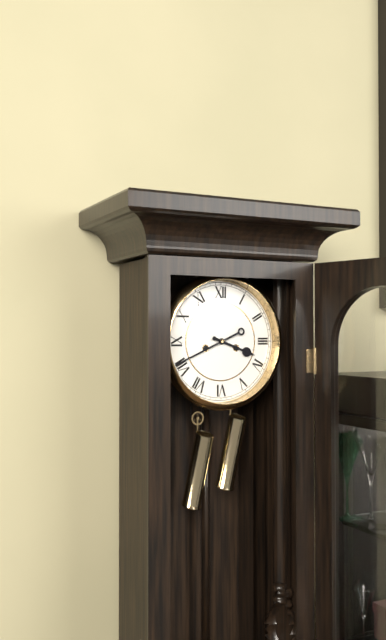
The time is 3,41
